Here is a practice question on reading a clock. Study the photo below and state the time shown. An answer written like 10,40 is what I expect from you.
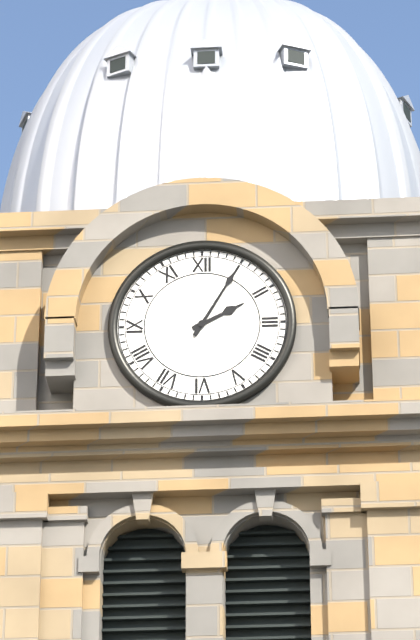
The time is 2,05
